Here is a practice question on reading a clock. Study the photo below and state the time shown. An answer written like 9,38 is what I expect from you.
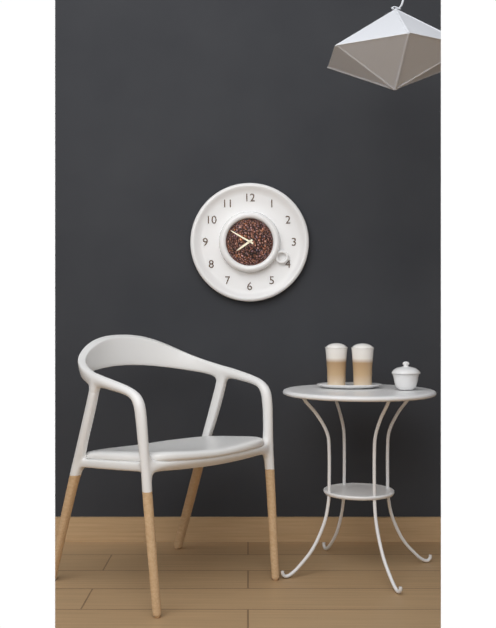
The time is 7,50
